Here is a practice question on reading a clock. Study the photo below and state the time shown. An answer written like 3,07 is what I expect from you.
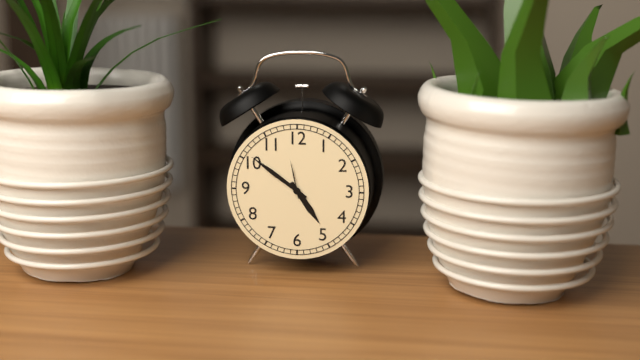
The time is 4,51
